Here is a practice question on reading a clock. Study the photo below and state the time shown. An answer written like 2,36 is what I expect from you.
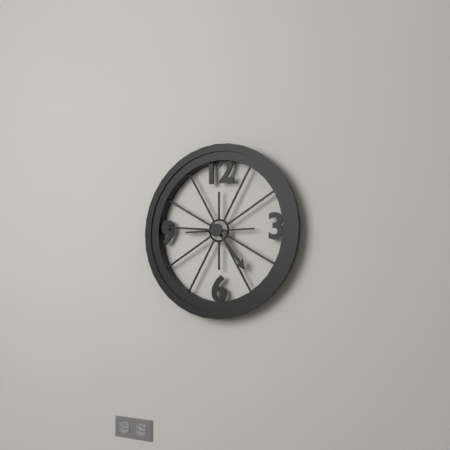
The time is 4,46
